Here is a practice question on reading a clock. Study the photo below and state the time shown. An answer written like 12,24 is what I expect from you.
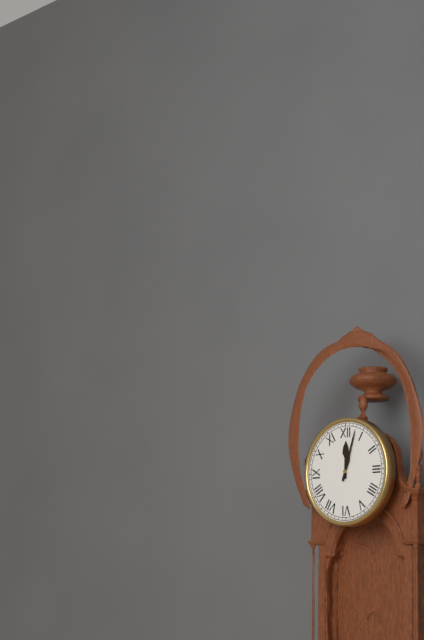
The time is 12,03
